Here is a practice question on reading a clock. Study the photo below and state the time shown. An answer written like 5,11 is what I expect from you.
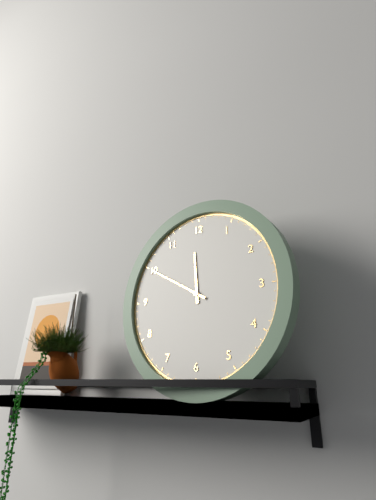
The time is 11,50
